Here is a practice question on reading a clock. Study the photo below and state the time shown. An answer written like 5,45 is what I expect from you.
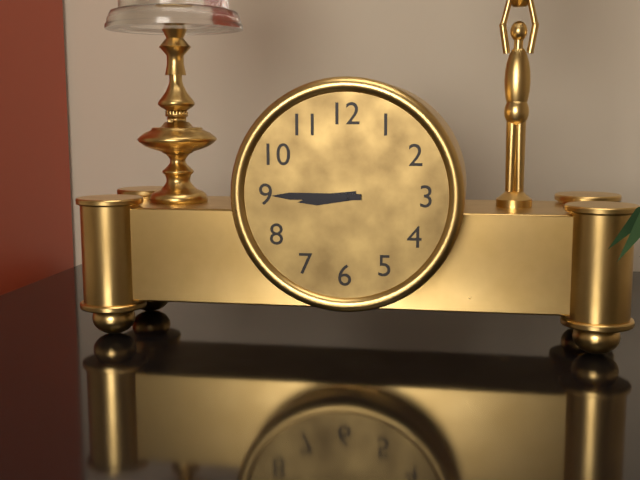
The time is 8,45
